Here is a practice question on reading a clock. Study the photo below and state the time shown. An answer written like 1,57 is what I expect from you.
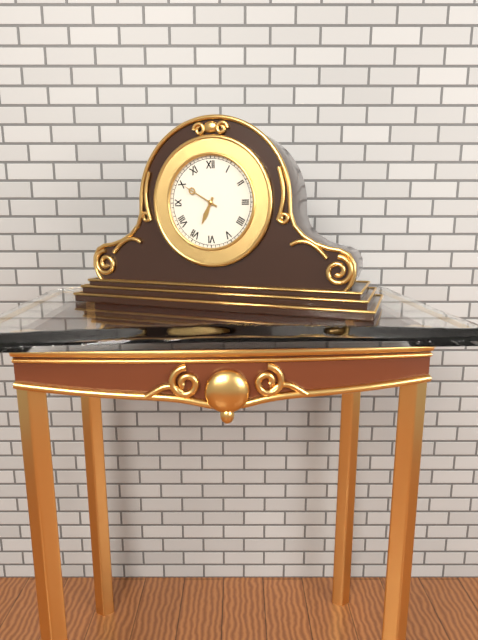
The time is 6,50
